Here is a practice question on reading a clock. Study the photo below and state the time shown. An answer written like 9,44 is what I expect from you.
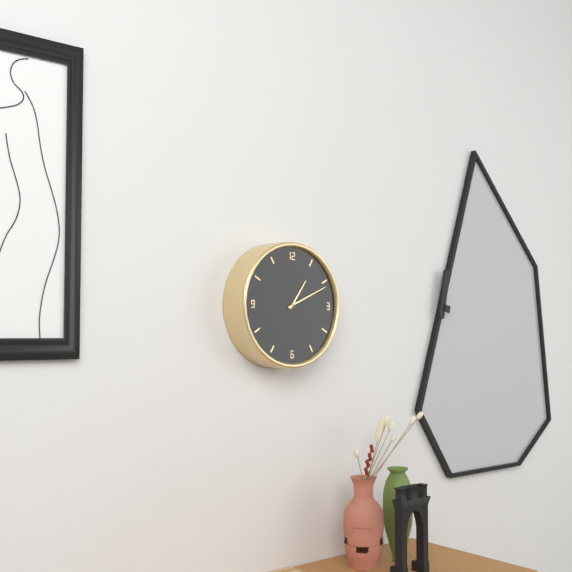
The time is 1,11
